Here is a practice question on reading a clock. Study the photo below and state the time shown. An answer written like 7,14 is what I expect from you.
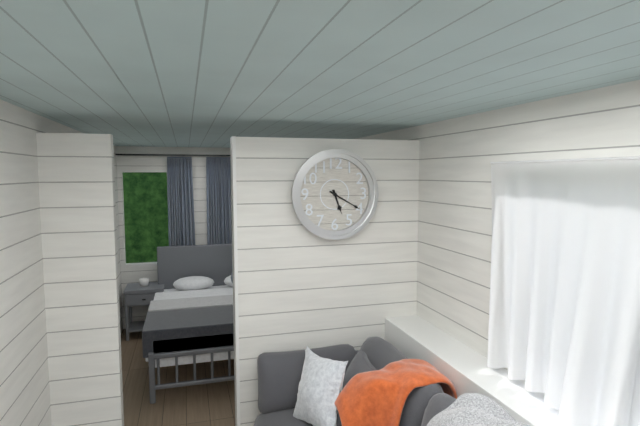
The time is 5,20
